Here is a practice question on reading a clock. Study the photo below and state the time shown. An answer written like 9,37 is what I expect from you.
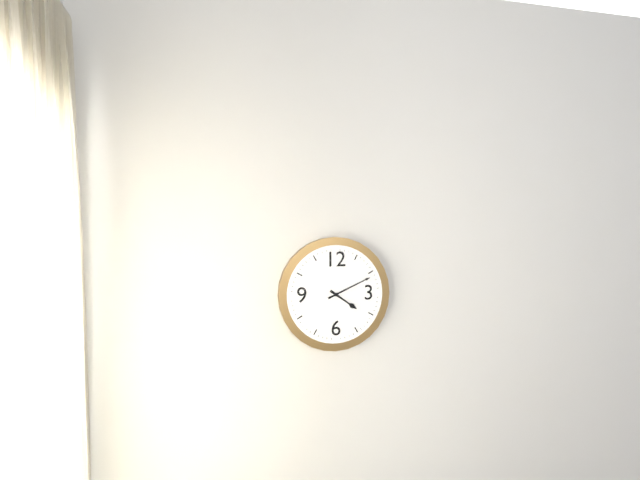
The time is 4,11
